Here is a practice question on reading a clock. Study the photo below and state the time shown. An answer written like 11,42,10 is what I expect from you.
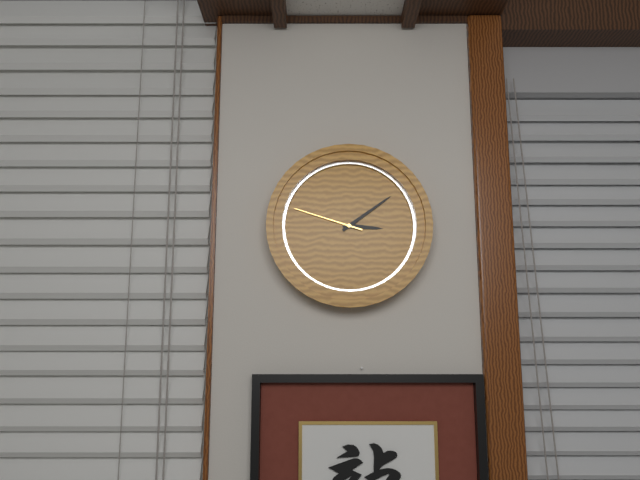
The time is 3,09,48
